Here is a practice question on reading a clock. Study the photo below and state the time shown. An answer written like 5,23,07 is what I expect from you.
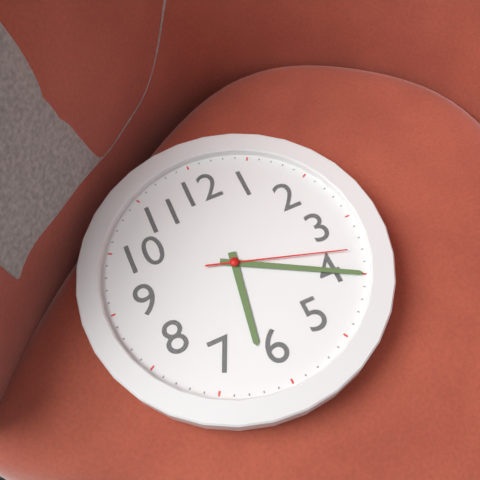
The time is 6,20,18
